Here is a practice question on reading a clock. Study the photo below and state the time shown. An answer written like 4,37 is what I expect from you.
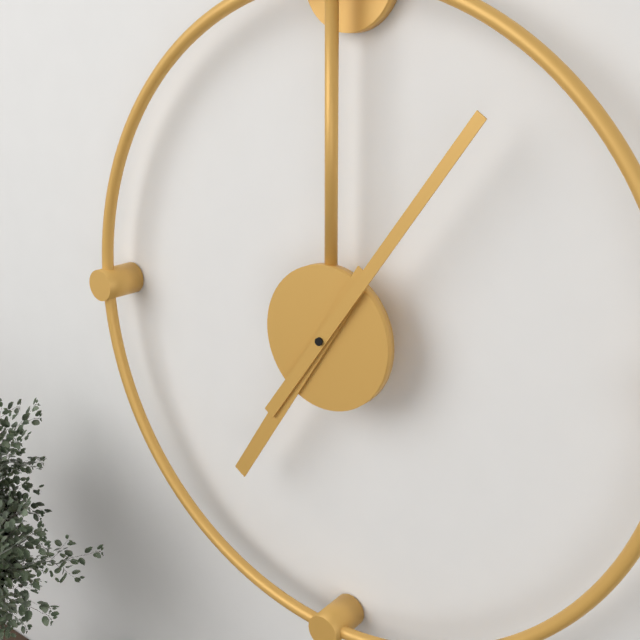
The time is 7,06
